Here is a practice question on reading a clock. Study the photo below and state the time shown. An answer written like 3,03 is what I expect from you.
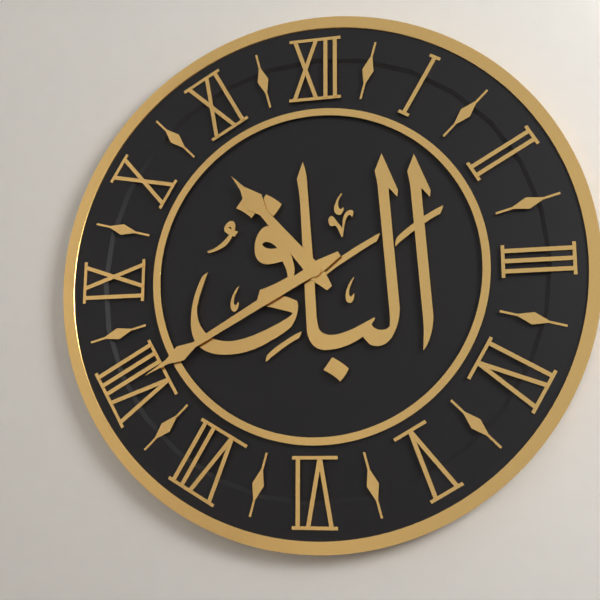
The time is 10,40
